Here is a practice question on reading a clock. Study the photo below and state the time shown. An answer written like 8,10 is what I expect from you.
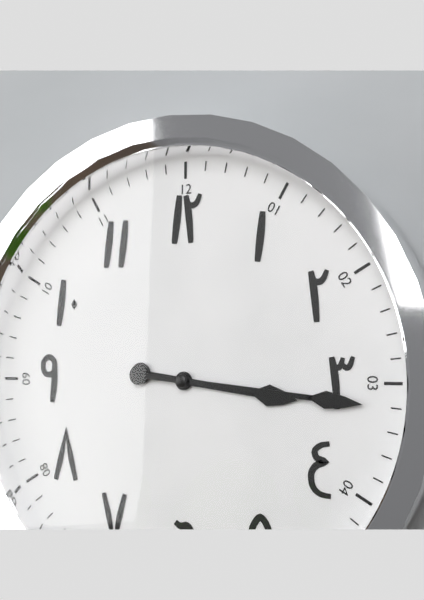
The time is 3,16
